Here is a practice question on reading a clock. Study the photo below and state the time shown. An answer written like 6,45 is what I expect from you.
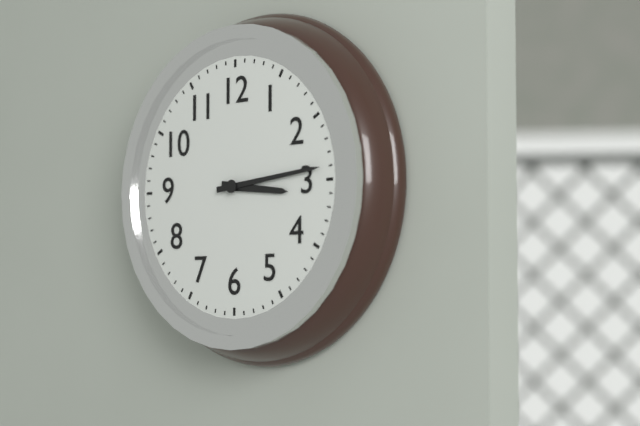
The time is 3,14
